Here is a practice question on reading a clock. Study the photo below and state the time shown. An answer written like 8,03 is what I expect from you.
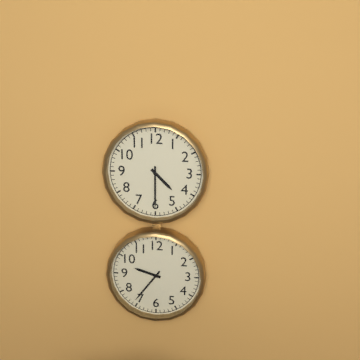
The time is 4,30
